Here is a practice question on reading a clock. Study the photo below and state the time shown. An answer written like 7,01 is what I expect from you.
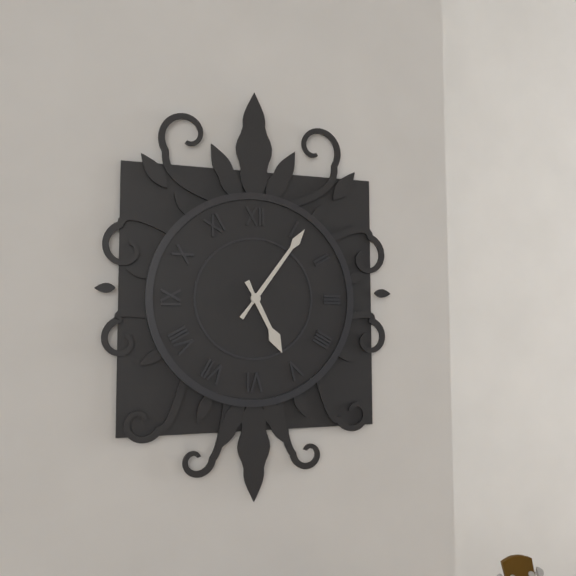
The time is 5,06
